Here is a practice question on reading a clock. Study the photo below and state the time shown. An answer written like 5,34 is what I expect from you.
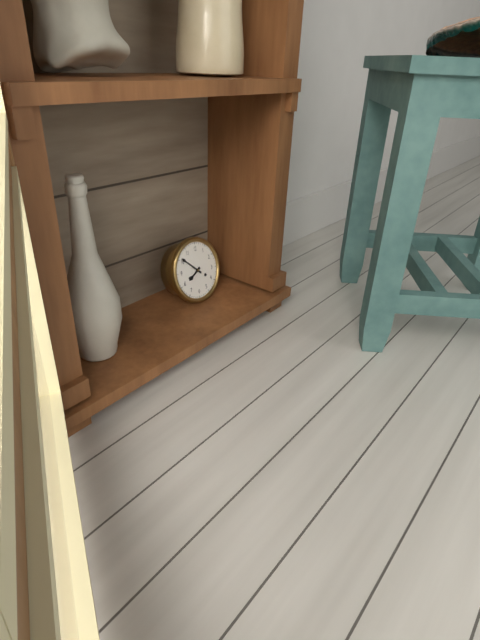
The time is 7,51
